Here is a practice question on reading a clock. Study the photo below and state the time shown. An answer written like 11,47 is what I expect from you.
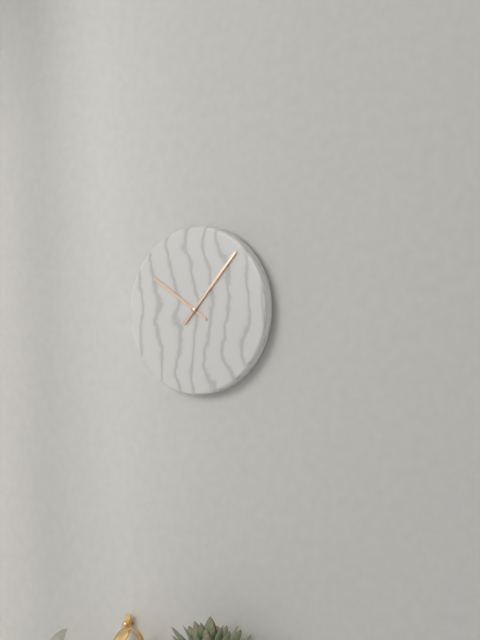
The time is 10,07
